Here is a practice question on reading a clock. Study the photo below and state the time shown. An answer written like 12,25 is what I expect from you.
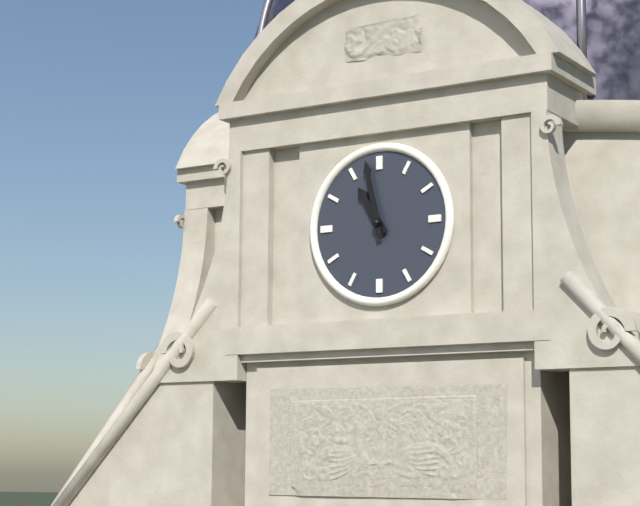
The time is 10,58
